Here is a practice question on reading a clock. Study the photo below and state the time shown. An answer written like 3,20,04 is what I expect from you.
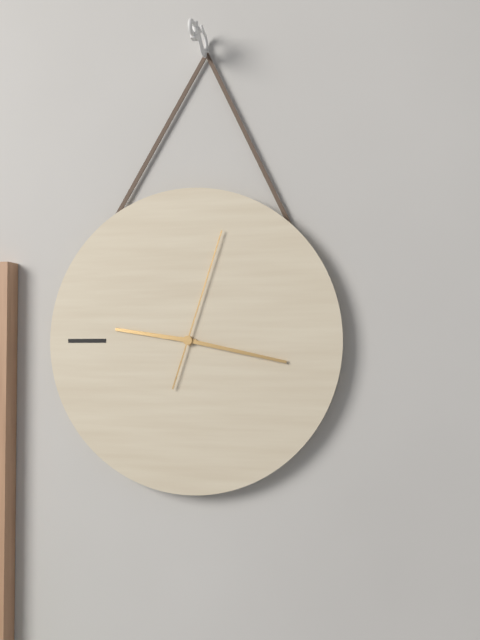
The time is 9,17,03
